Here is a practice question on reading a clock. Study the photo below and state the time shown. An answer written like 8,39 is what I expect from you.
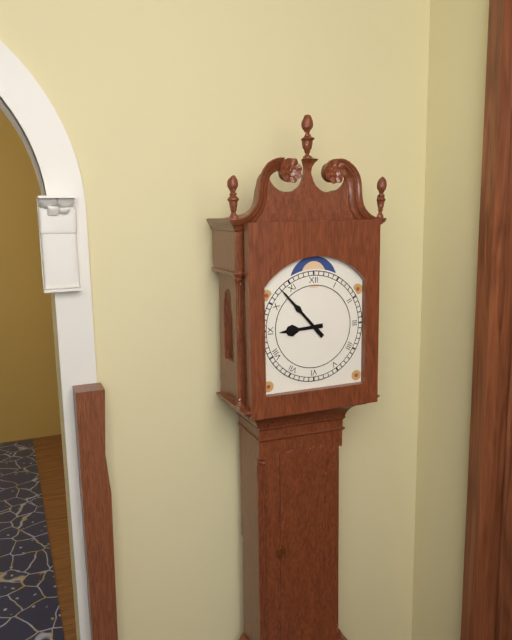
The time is 8,53
